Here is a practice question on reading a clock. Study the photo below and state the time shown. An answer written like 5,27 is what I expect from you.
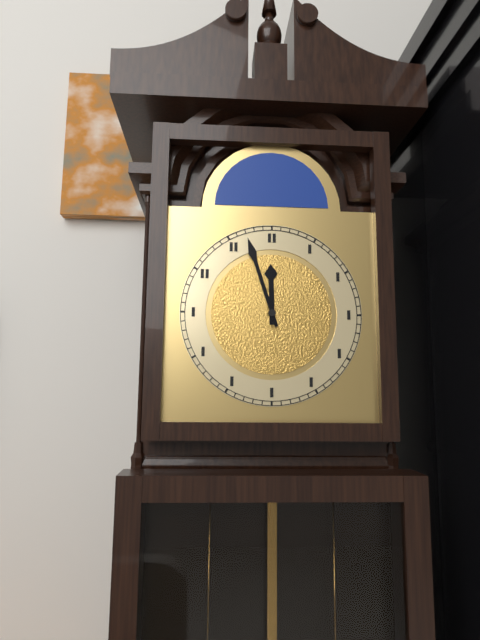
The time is 11,57
